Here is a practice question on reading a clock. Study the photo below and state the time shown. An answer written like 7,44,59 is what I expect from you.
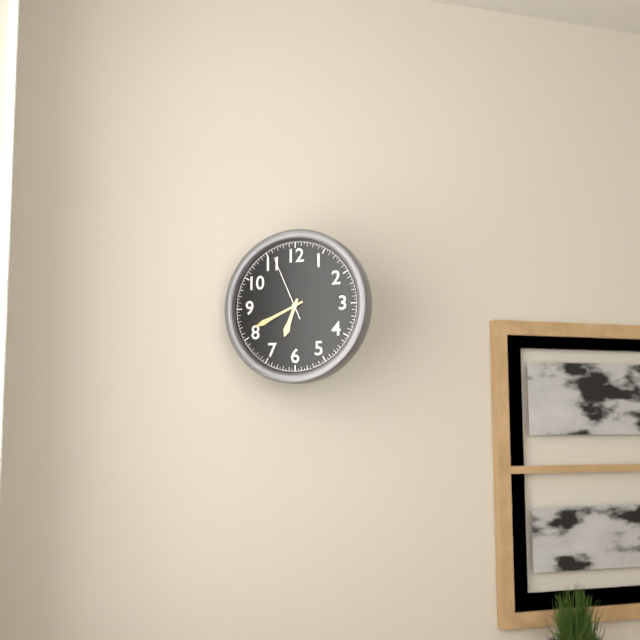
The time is 6,41,56
